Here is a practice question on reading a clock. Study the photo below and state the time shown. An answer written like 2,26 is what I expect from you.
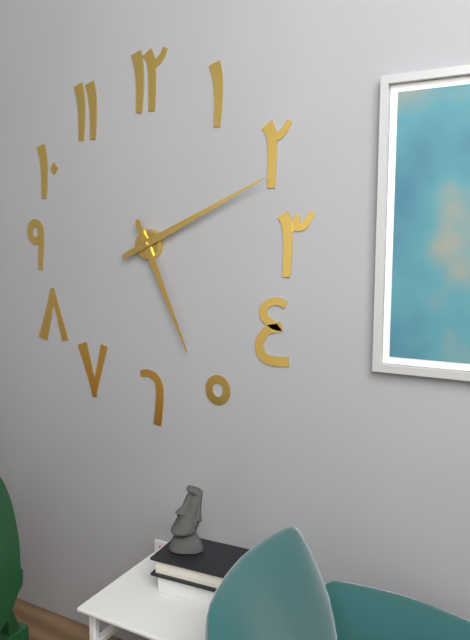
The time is 5,11
